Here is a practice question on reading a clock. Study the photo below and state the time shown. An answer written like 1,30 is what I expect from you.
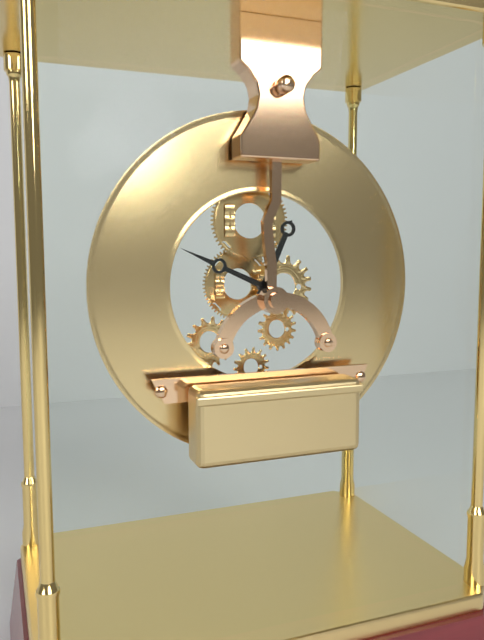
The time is 12,49
